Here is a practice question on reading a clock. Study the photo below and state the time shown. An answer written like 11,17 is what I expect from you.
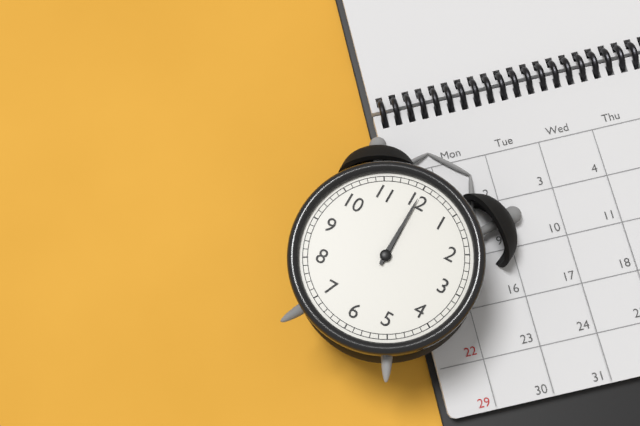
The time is 12,00
